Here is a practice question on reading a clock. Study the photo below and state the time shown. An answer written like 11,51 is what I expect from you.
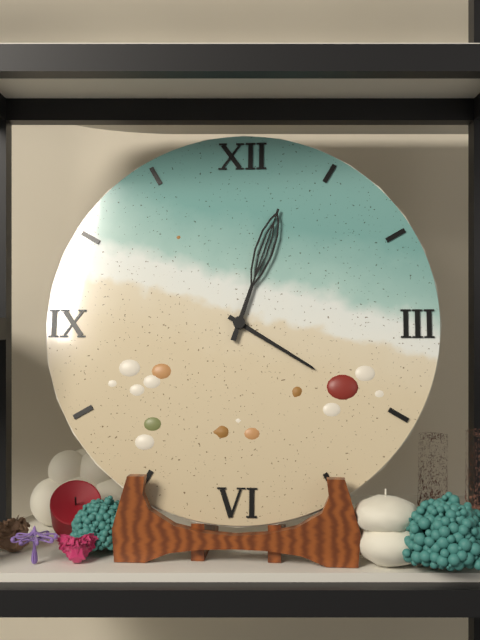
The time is 4,03
